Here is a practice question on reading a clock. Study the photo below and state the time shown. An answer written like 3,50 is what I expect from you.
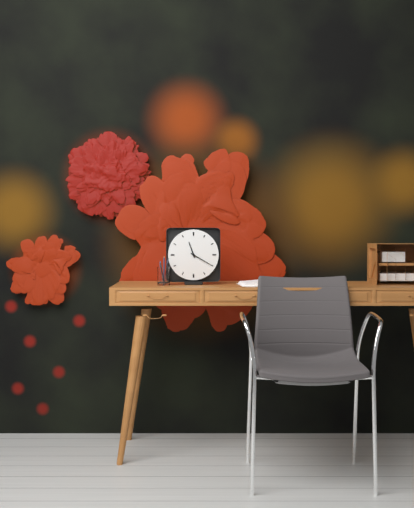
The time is 11,20
